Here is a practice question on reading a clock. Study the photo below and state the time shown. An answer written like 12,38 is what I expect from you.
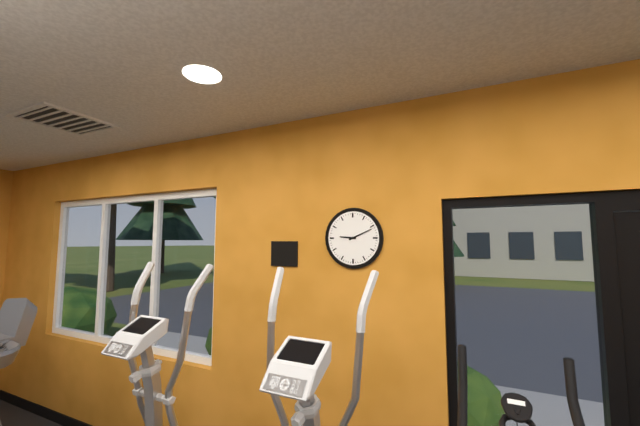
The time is 9,11
